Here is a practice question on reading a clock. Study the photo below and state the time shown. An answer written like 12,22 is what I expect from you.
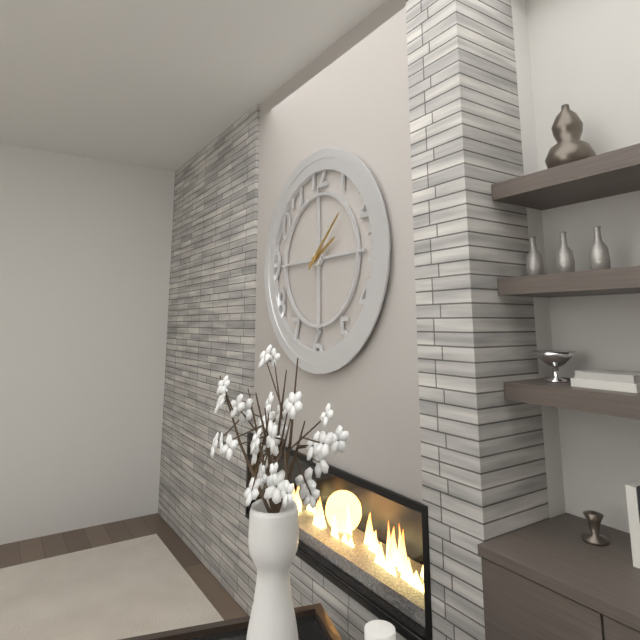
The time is 2,08
